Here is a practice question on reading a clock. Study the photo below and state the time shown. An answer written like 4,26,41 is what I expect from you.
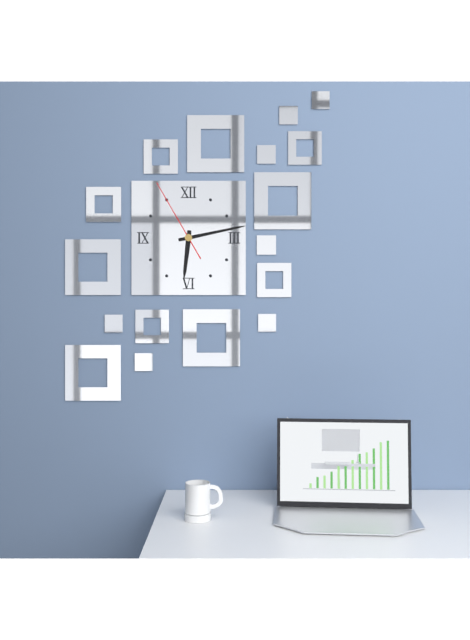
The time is 6,13,55
